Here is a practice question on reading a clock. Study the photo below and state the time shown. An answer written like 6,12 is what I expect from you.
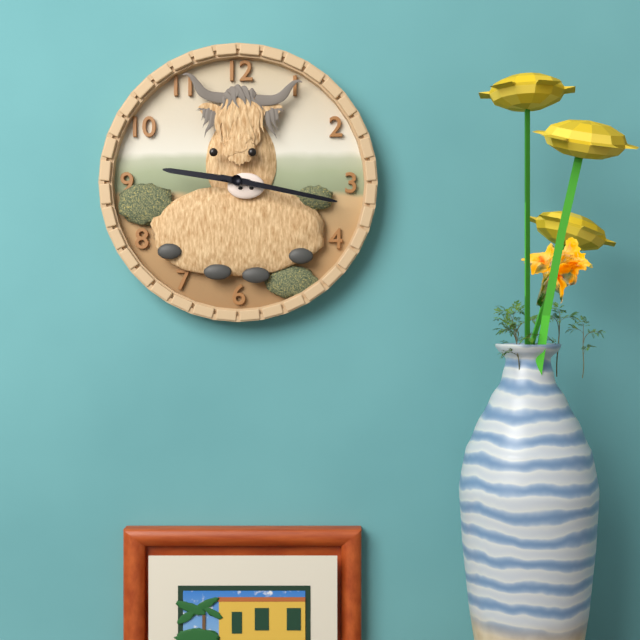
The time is 9,17
